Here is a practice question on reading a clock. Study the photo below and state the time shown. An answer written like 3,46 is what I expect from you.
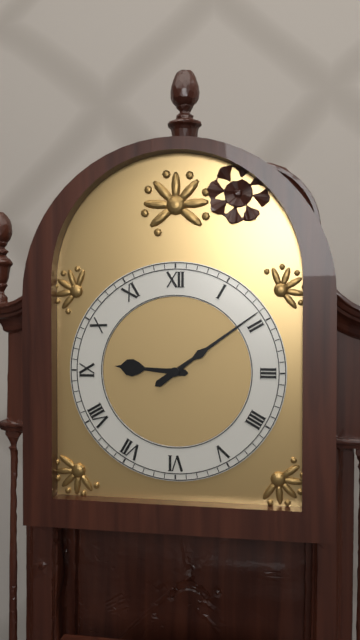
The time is 9,09
